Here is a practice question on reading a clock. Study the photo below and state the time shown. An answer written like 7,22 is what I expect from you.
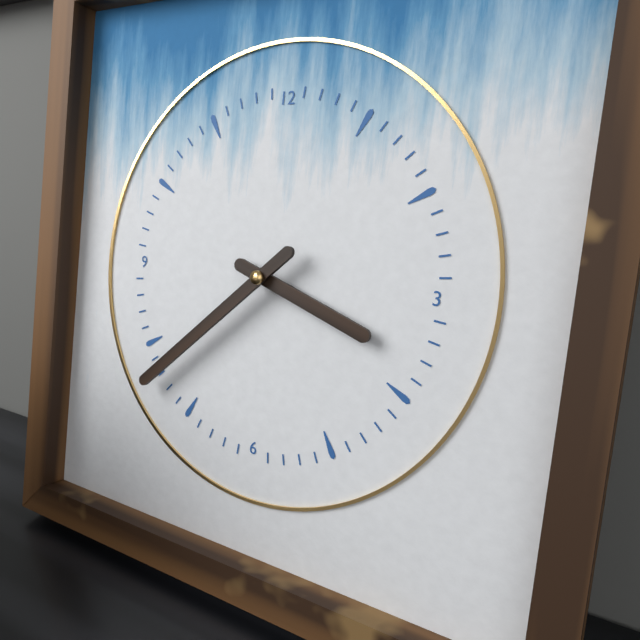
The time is 3,38
